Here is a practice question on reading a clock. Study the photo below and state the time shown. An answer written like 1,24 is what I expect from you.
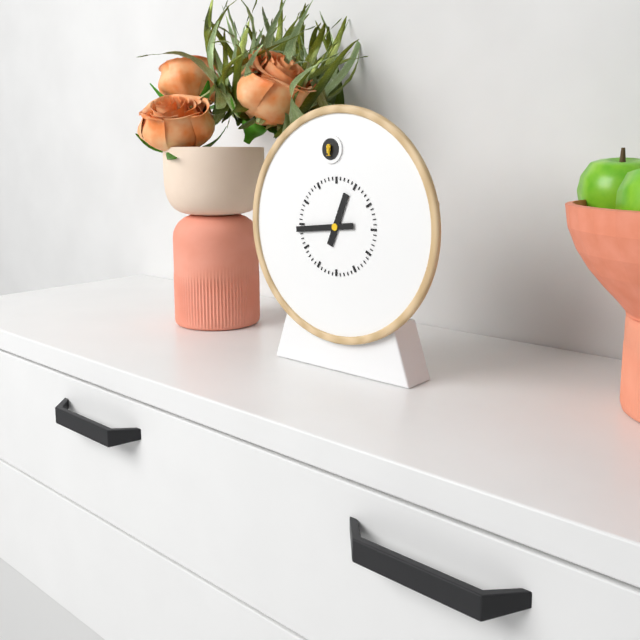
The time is 12,44
